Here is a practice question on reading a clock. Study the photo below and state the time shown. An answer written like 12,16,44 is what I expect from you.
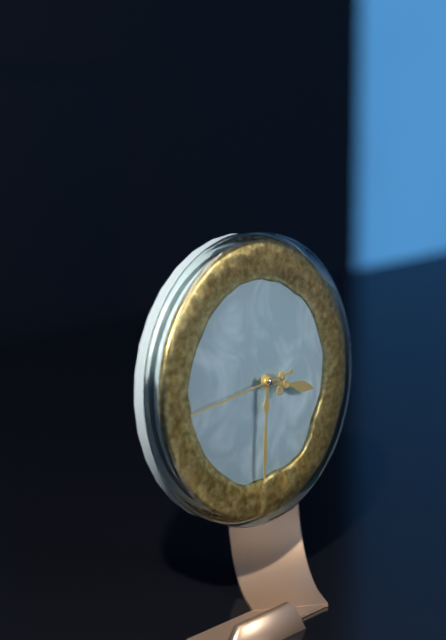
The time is 3,31,44
